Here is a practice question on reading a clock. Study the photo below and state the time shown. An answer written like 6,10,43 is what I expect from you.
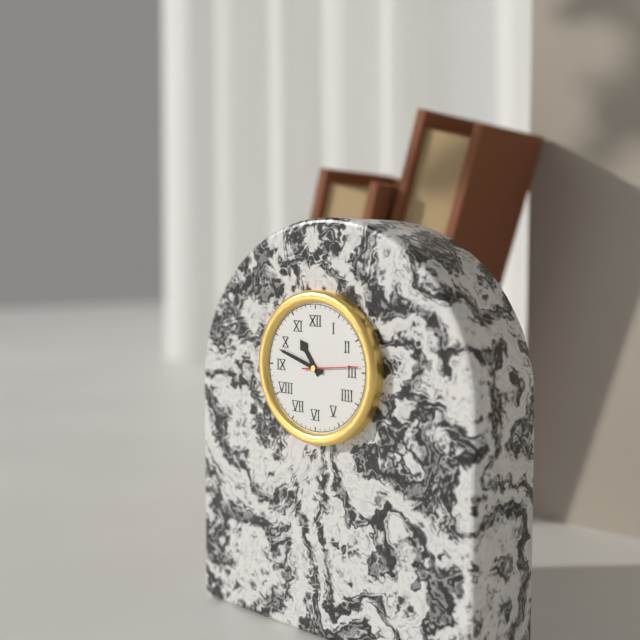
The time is 10,48,14
